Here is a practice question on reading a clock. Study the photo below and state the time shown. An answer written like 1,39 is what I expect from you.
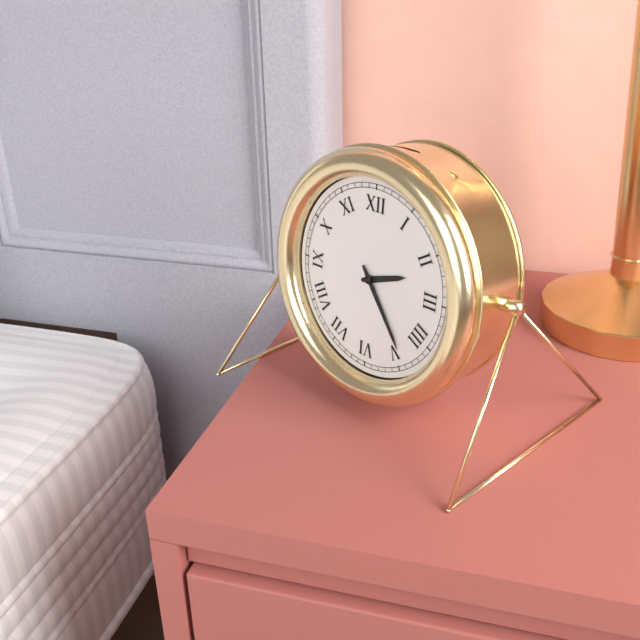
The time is 2,24
